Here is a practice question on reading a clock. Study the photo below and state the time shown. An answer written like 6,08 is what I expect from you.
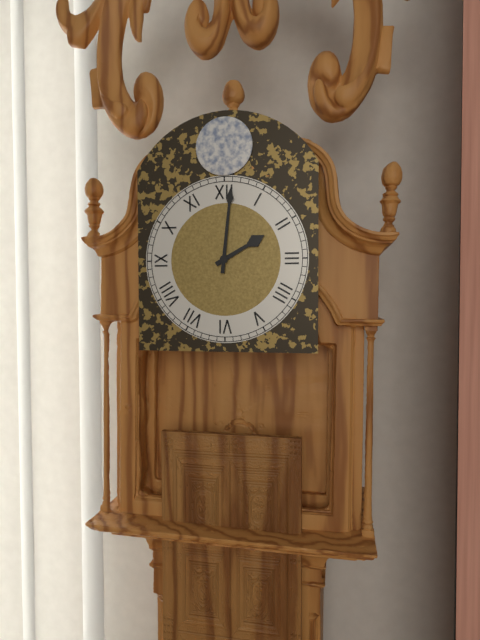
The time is 2,01
